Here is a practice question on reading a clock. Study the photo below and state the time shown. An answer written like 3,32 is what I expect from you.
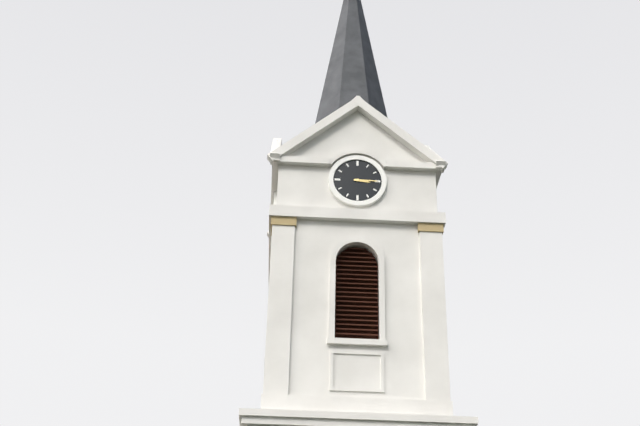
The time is 3,15
